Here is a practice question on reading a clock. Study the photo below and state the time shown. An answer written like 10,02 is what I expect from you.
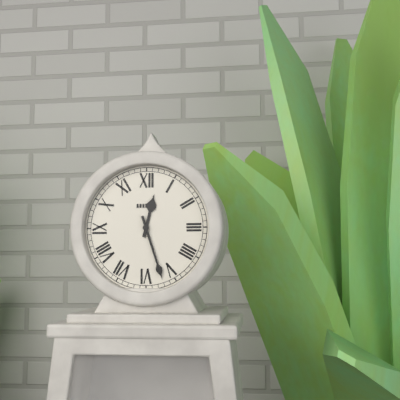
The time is 12,27
